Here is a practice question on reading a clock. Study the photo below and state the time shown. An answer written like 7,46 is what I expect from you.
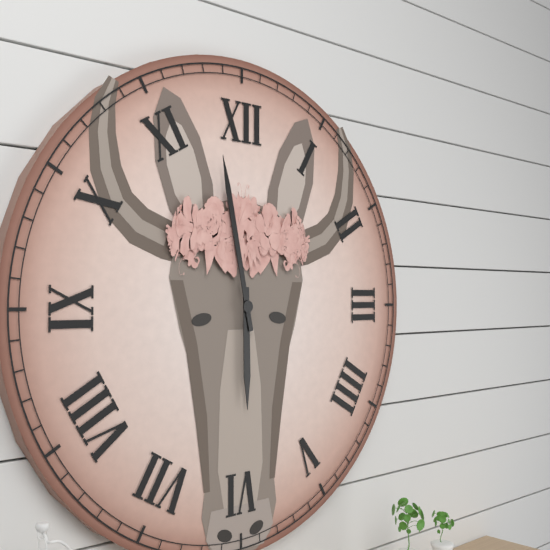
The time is 5,58
